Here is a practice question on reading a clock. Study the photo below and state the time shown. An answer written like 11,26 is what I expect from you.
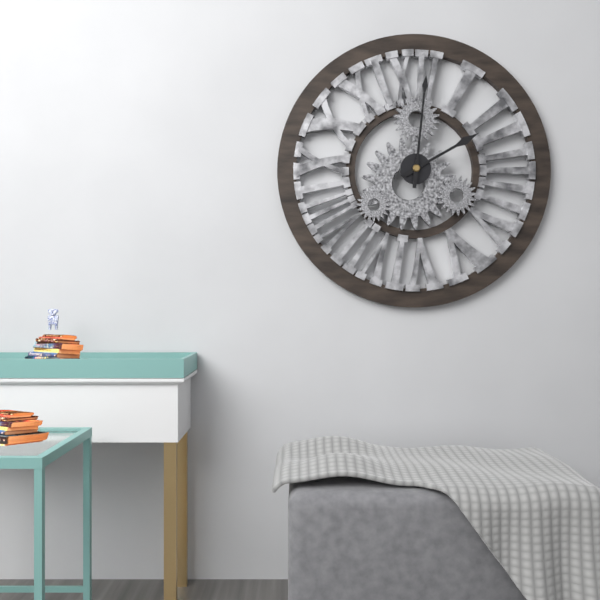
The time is 2,01
